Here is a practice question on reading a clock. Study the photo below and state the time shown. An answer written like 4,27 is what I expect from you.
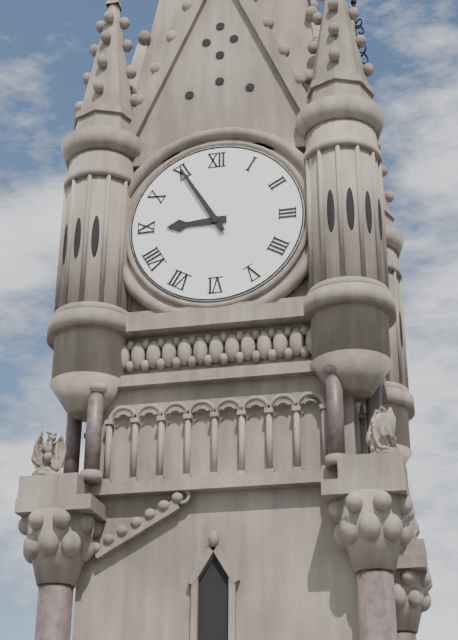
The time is 8,55
